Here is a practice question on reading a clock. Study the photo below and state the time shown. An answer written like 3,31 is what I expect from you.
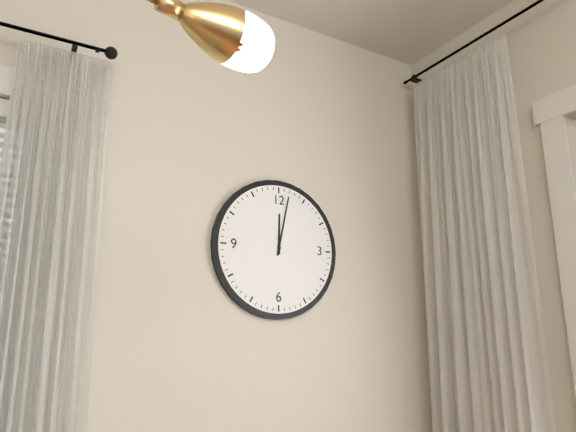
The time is 12,02
